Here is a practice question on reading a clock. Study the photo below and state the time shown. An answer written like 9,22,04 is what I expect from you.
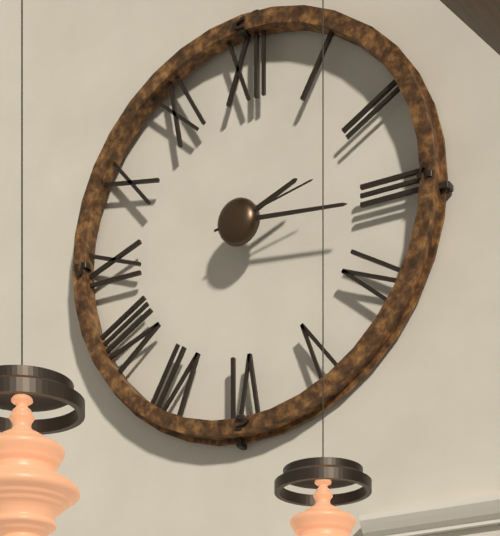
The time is 2,16,13
